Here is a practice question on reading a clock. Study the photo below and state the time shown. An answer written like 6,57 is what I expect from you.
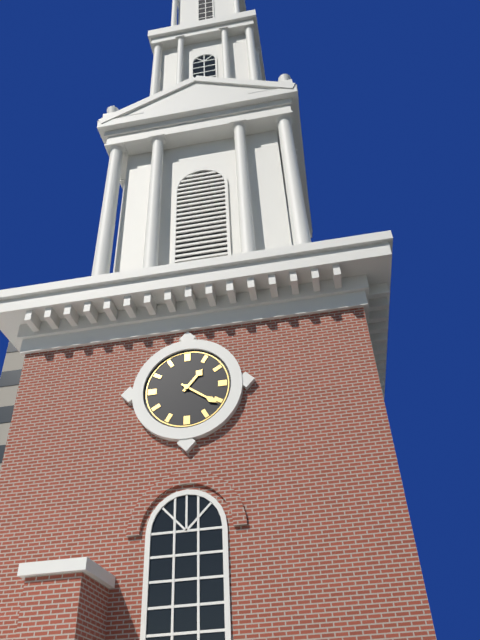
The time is 1,21
